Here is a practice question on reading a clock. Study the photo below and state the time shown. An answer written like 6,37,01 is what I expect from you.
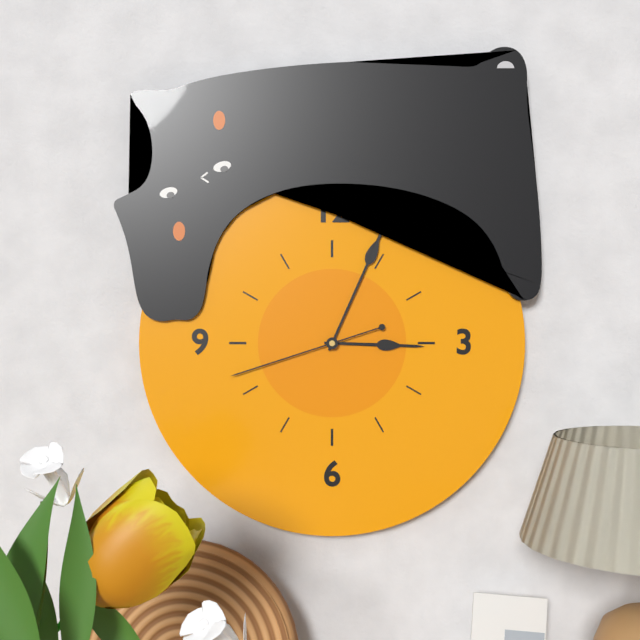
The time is 3,04,42
